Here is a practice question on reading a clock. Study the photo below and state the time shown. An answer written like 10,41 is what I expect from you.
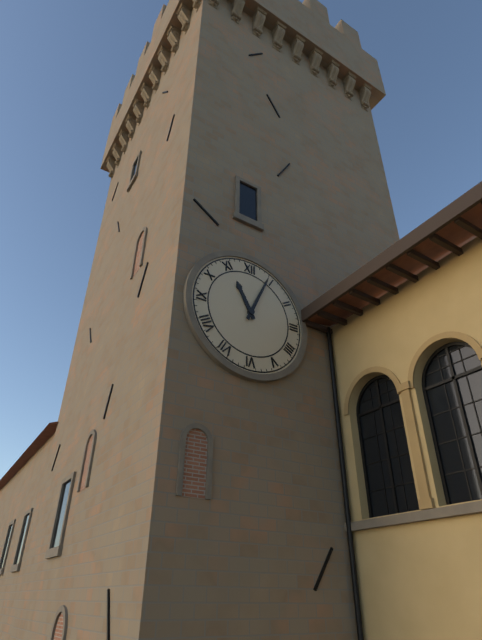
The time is 11,04
